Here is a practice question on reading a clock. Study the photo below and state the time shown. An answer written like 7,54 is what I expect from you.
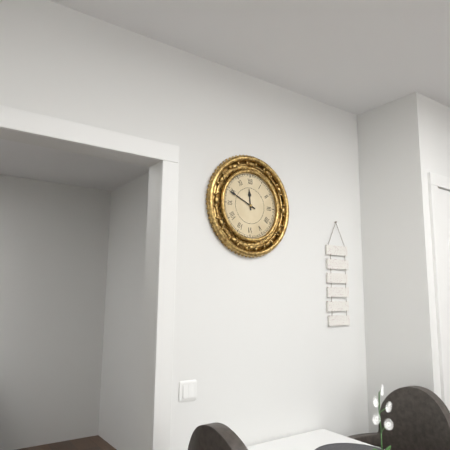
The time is 11,49
